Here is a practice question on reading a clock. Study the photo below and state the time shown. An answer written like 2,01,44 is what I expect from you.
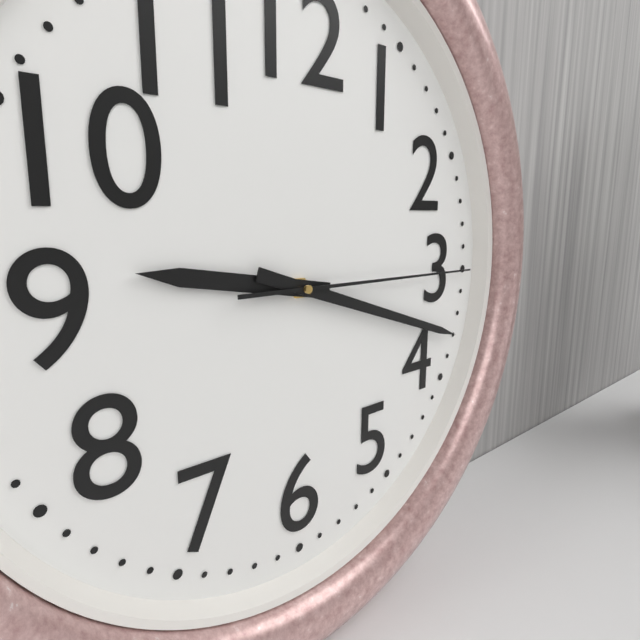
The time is 9,18,15
